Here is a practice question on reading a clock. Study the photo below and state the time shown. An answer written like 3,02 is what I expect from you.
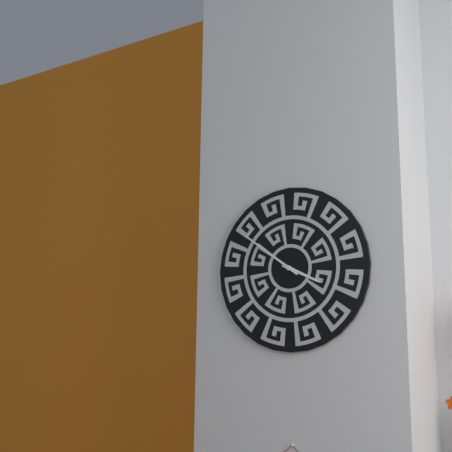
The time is 3,51
